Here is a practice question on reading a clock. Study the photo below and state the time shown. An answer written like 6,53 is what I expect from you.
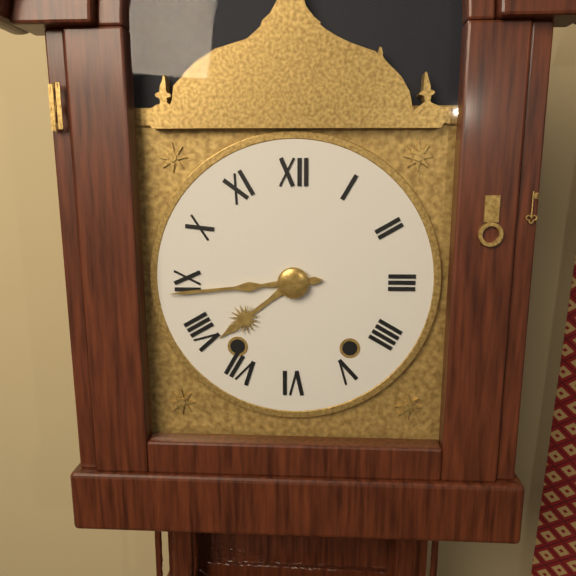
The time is 7,44
